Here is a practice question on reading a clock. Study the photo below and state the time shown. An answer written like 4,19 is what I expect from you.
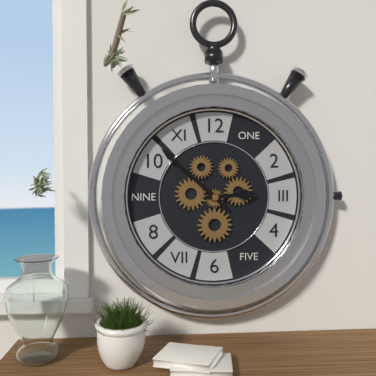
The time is 2,52
